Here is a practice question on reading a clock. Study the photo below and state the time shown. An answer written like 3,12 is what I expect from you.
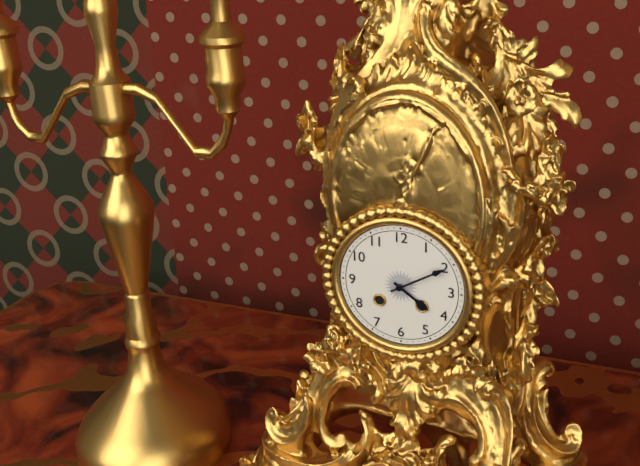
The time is 4,10
